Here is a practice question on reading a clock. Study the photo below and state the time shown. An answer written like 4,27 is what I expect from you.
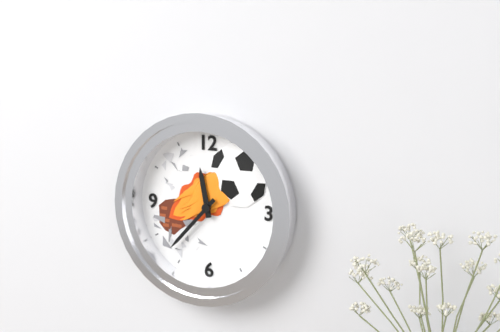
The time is 11,37
